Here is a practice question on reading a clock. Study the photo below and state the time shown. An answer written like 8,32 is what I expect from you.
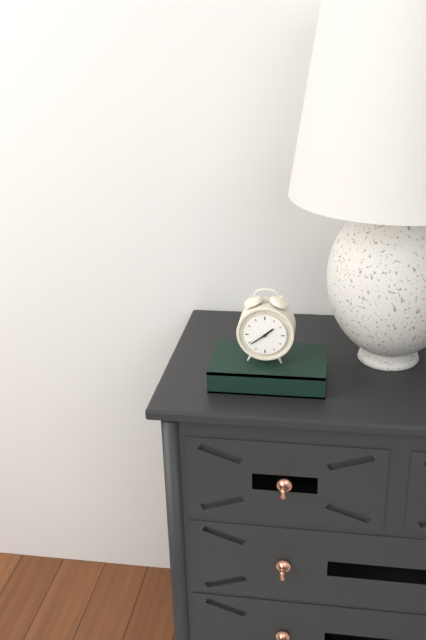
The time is 1,39
